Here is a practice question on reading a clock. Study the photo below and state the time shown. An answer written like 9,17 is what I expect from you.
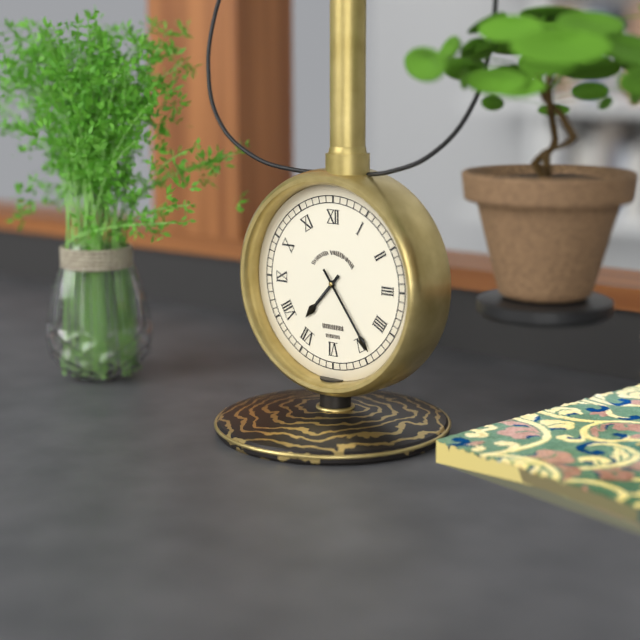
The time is 7,24
